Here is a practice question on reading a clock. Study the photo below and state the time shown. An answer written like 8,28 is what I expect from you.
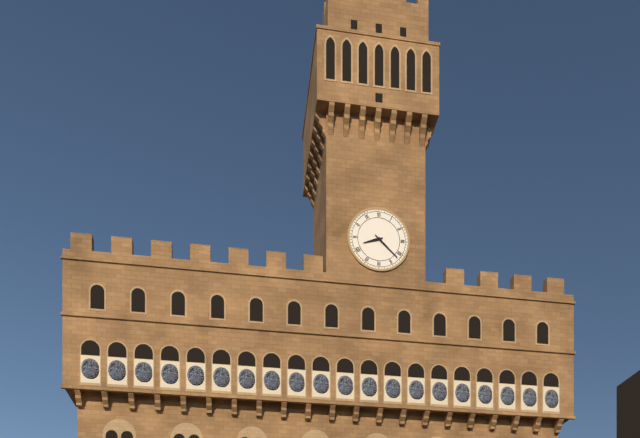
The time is 8,22
